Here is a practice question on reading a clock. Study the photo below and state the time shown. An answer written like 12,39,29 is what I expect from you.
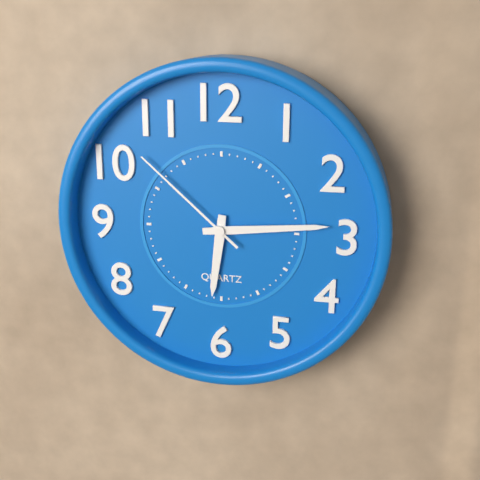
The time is 6,14,52
